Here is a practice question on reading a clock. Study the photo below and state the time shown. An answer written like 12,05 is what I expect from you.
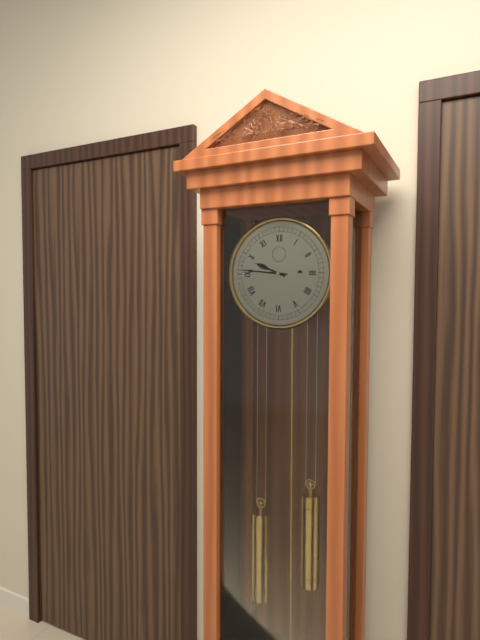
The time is 9,46
